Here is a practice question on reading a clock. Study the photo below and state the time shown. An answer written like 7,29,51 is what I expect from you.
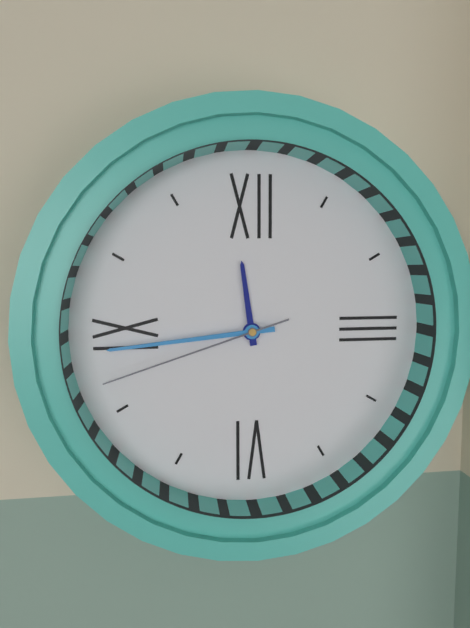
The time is 11,44,42
